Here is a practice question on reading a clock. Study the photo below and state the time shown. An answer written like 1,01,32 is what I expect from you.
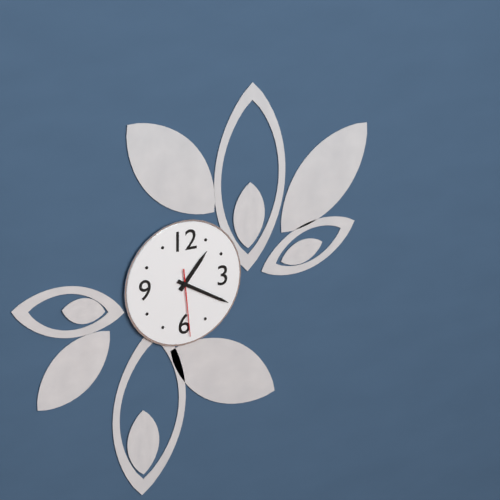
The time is 1,20,29
